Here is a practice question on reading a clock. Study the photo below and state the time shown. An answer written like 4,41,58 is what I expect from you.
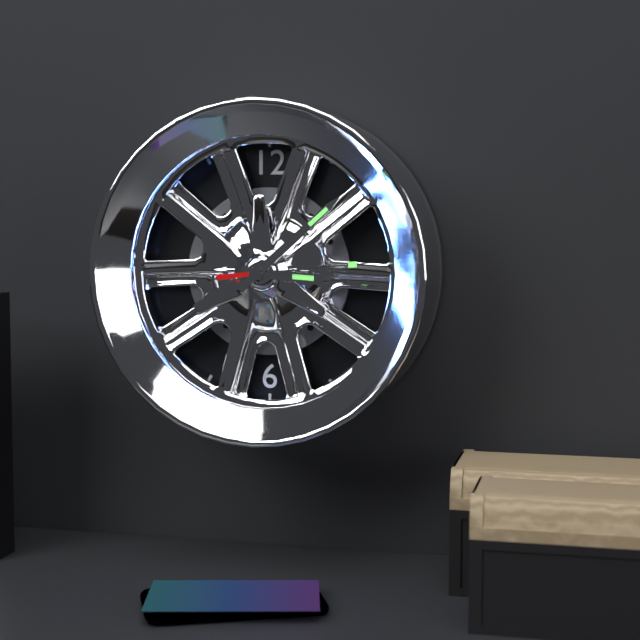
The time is 3,08,14
